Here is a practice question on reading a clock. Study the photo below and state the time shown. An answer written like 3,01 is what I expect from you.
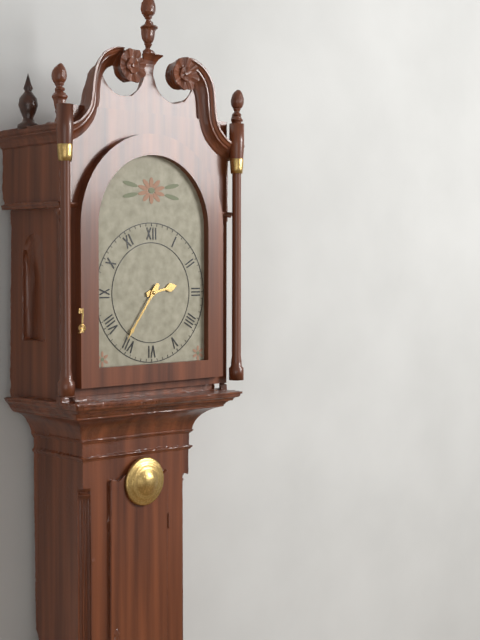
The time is 2,36
